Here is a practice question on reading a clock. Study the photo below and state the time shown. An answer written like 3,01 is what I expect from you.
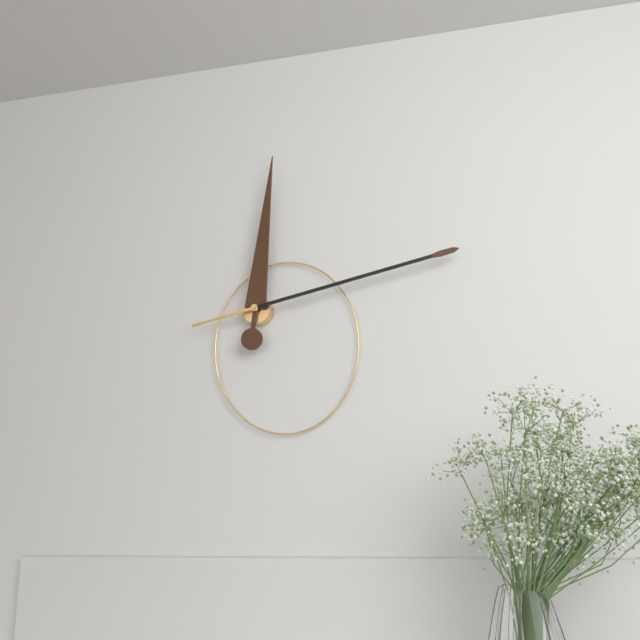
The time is 12,13
